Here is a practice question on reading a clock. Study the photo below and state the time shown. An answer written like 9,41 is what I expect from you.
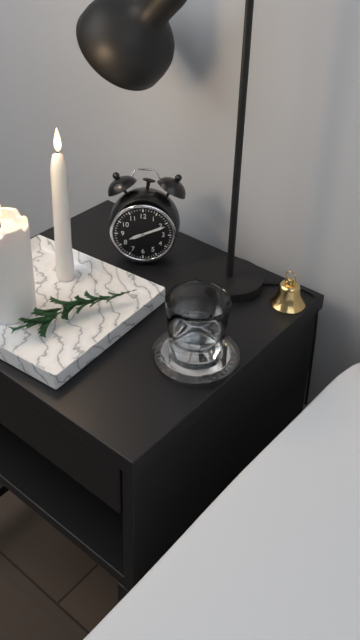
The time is 8,11
